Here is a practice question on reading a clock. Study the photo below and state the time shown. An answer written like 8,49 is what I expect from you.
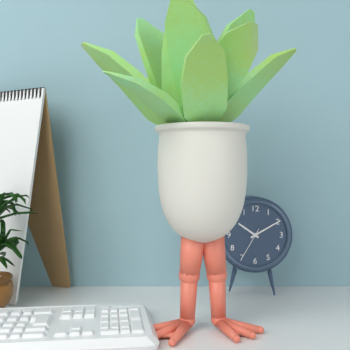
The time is 10,10
